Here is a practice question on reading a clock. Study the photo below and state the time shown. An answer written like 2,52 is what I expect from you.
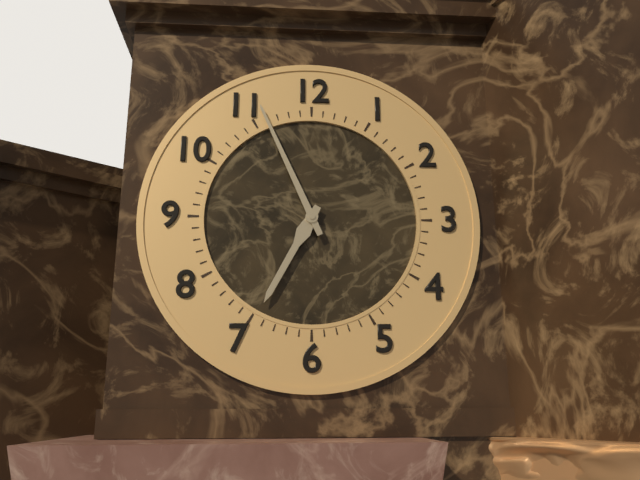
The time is 6,56
